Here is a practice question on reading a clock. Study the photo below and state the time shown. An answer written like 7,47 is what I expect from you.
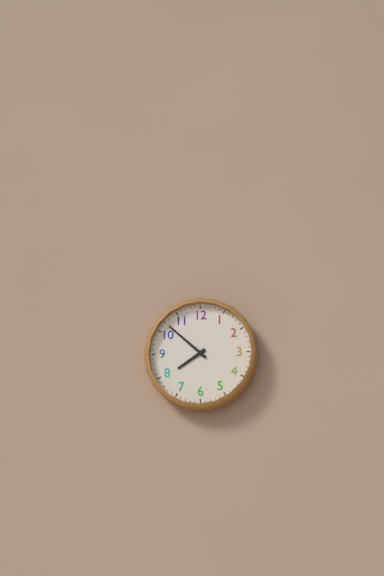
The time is 7,52
